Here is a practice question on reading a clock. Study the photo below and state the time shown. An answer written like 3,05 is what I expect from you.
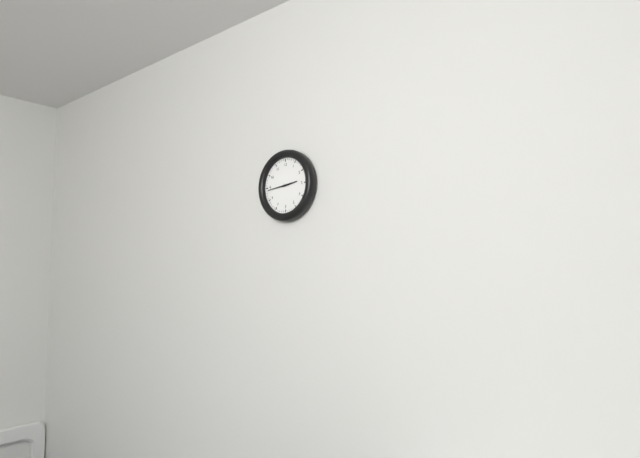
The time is 2,44
